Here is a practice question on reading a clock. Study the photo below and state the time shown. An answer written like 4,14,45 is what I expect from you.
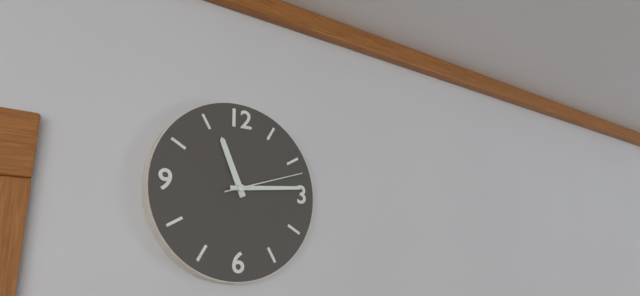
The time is 11,14,12
